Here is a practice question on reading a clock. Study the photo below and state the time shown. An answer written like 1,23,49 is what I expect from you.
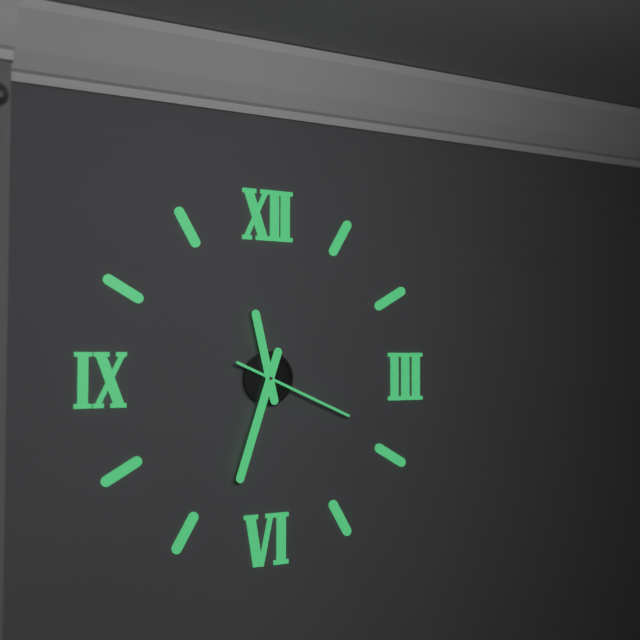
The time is 11,33,19
